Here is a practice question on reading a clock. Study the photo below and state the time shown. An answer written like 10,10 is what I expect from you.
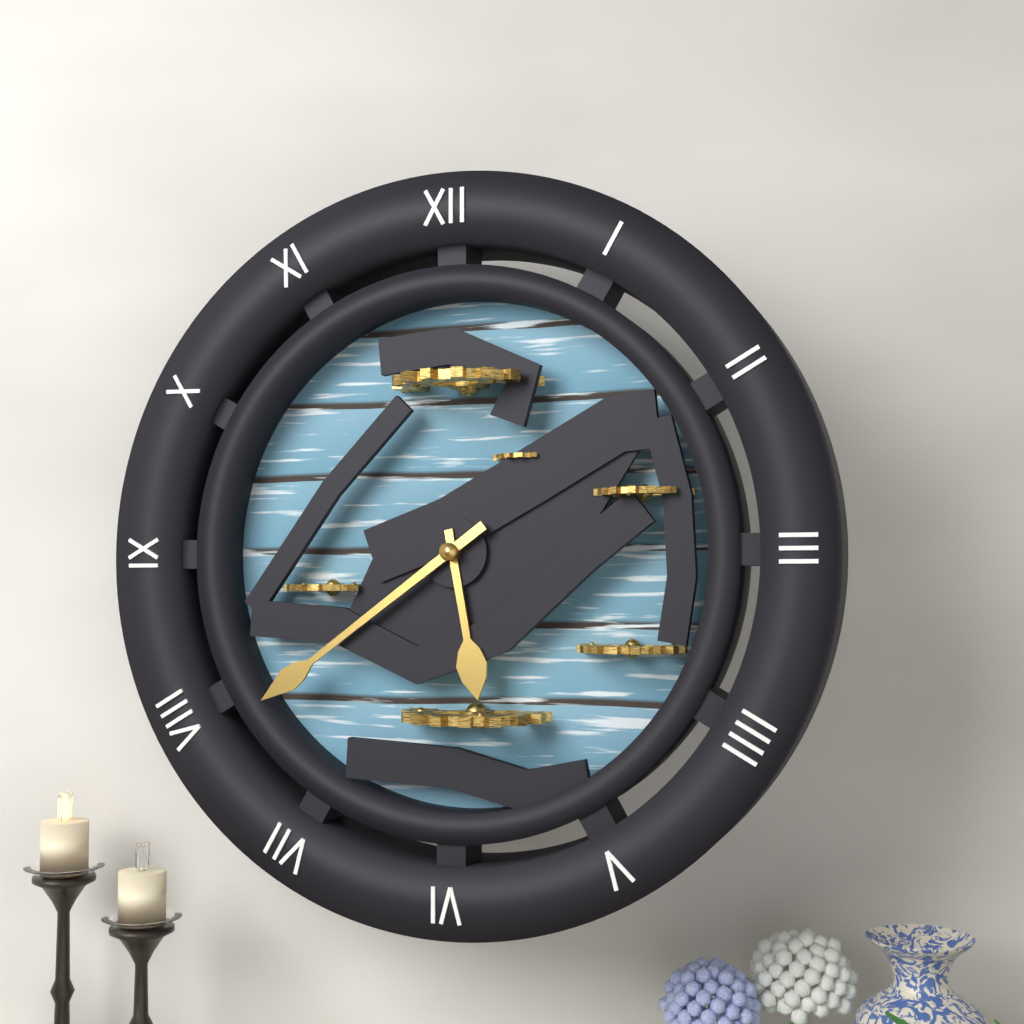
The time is 5,39
